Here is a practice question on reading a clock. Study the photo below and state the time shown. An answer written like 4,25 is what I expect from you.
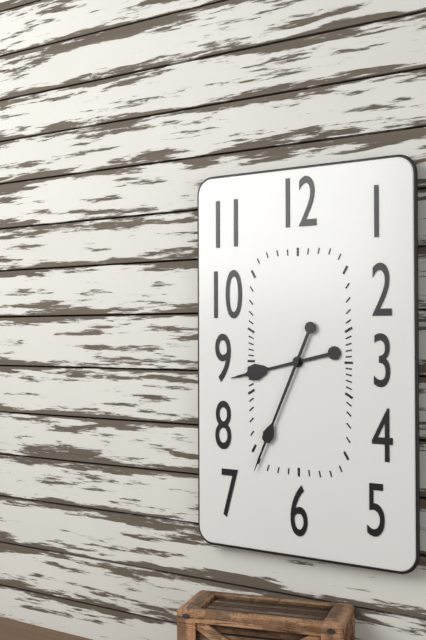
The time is 8,34
